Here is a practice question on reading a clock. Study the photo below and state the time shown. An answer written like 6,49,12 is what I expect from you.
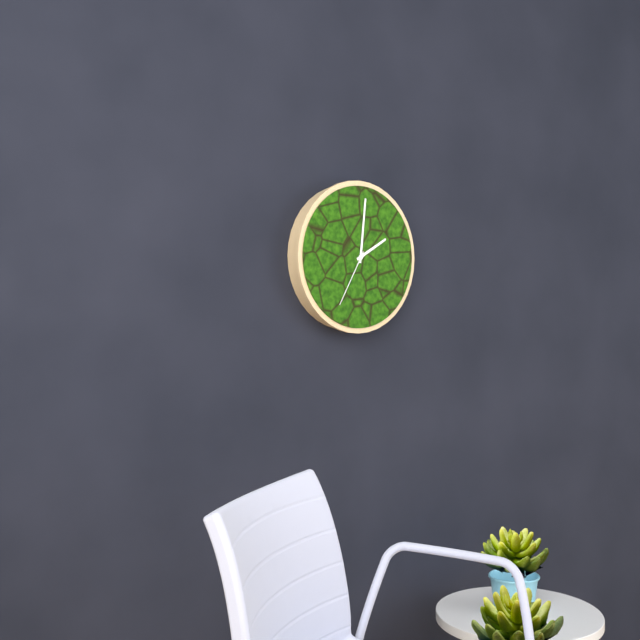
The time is 2,01,35
